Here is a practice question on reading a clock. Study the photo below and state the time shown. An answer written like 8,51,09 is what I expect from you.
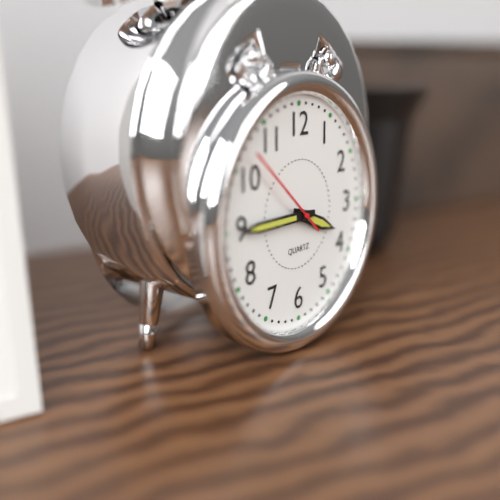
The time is 3,45,52
